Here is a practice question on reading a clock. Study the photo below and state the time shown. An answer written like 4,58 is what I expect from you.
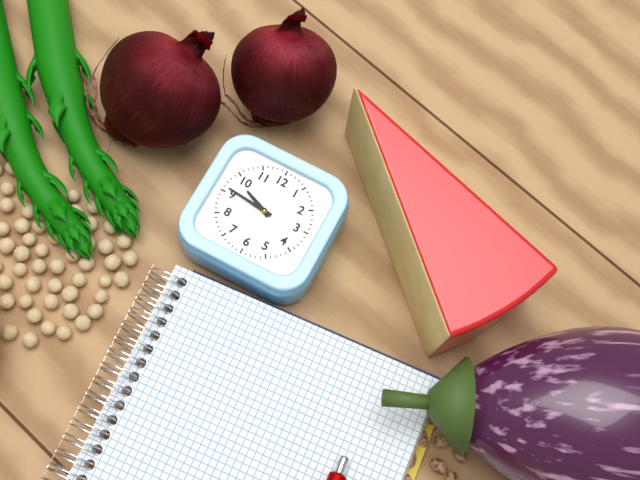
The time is 9,46
